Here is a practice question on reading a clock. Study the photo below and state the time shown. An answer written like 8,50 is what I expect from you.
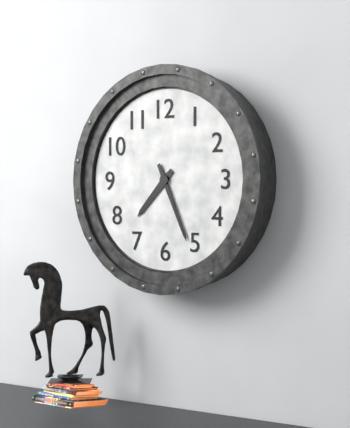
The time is 7,26
